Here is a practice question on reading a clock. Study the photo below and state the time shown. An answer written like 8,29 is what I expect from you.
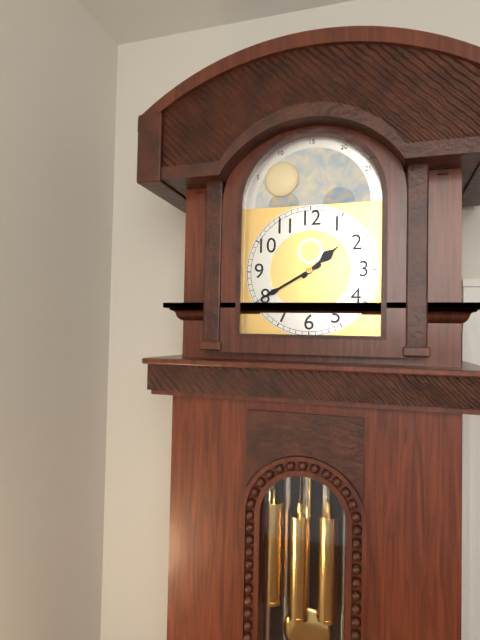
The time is 1,40
